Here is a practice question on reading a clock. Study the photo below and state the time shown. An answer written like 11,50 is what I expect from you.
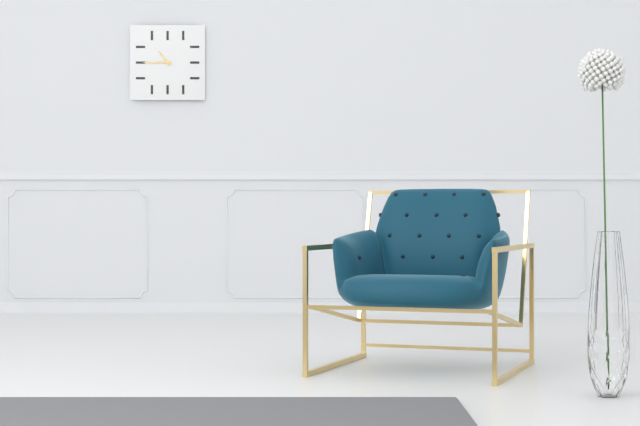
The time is 10,45
